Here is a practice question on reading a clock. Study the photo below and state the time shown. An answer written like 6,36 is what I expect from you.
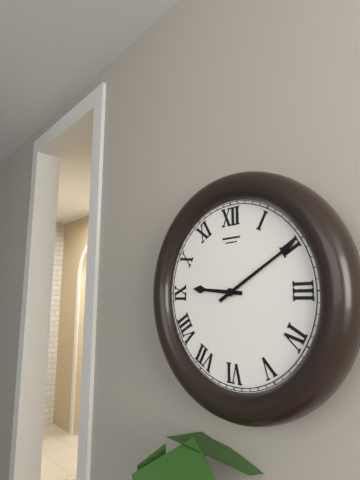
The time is 9,10
